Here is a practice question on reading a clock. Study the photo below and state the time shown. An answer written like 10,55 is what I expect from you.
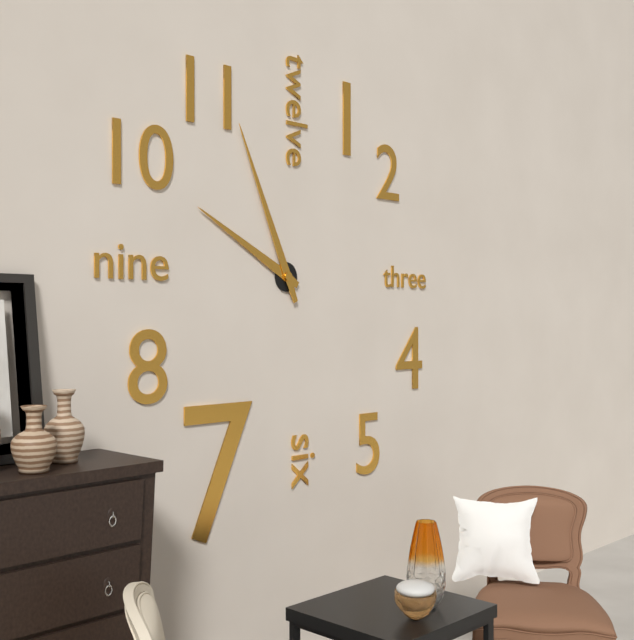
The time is 9,56
